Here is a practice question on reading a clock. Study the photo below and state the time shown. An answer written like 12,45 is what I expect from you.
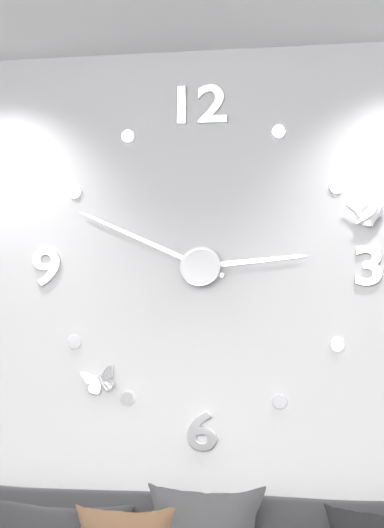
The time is 2,49
